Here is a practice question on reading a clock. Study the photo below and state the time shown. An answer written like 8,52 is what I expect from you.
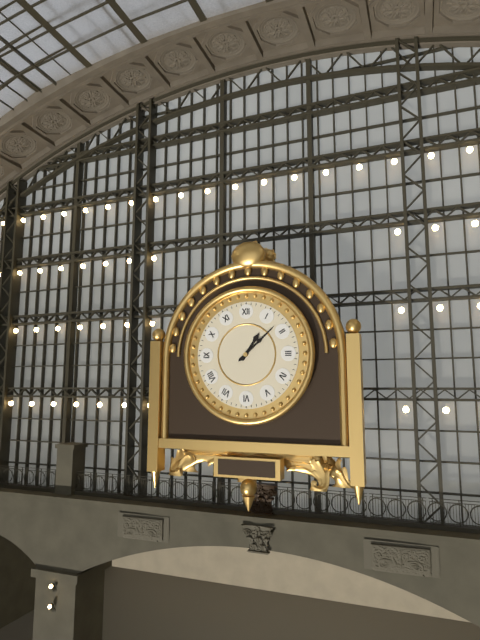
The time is 1,08
